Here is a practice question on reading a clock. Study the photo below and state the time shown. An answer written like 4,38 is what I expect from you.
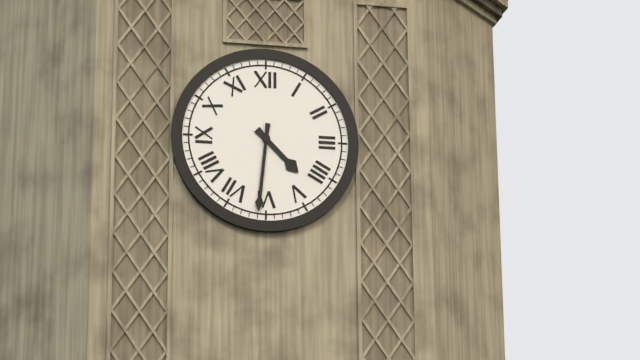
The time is 4,31
